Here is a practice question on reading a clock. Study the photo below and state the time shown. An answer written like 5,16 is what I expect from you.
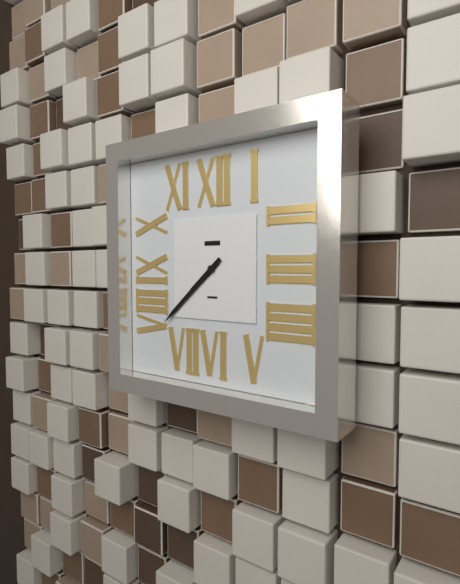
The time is 7,38
